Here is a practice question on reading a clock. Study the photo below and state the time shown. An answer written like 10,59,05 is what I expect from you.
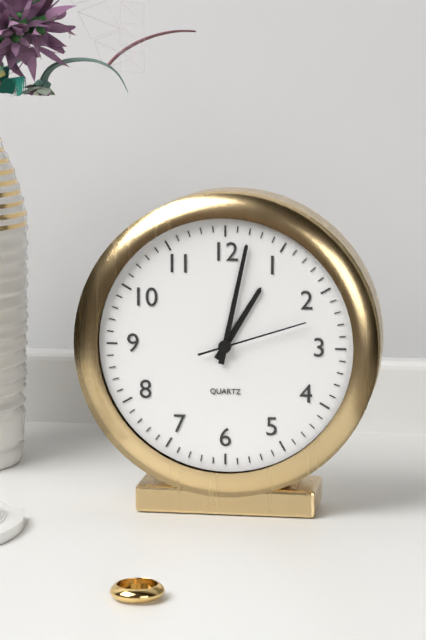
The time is 1,02,12
